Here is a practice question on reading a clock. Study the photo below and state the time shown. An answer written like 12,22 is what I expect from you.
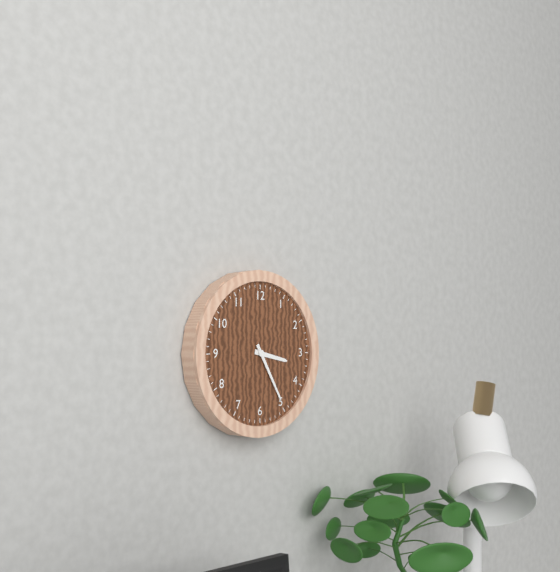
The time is 3,25
